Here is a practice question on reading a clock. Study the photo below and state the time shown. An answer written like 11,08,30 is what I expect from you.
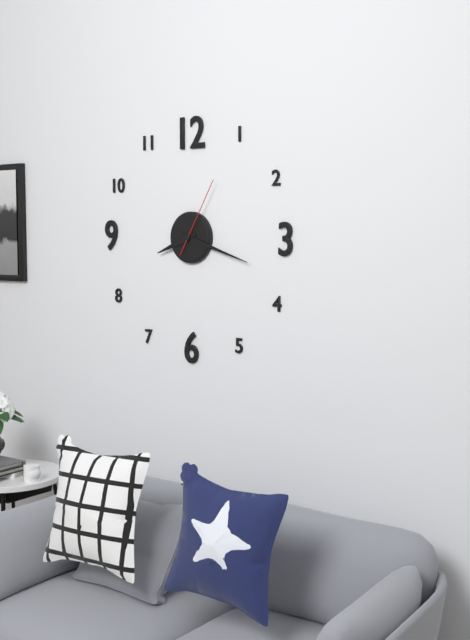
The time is 8,18,05
